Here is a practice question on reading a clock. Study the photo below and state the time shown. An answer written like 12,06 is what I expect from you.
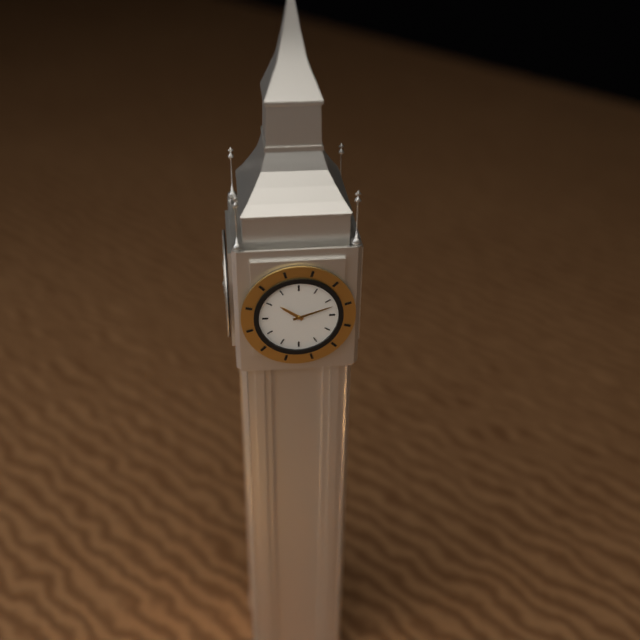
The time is 10,12
